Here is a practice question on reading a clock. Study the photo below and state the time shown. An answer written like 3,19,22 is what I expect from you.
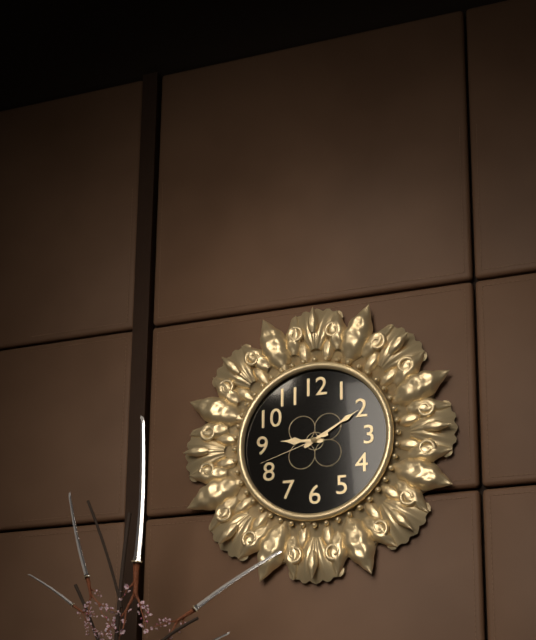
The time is 9,10,42
